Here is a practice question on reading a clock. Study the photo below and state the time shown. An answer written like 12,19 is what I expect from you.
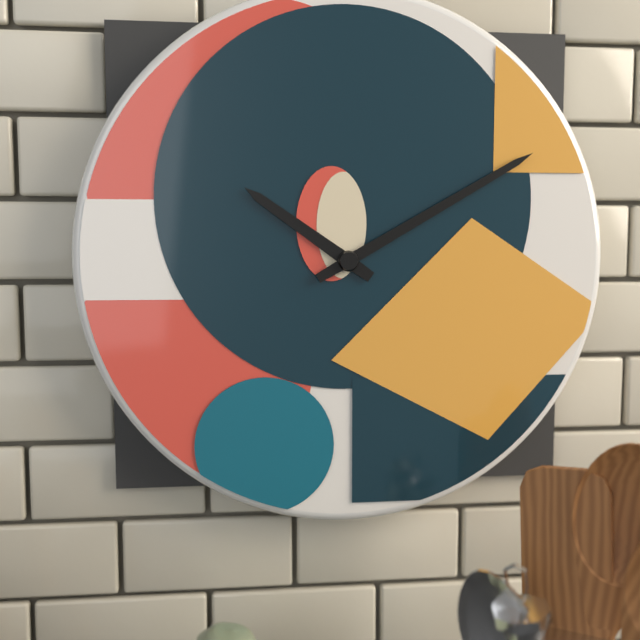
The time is 10,10
